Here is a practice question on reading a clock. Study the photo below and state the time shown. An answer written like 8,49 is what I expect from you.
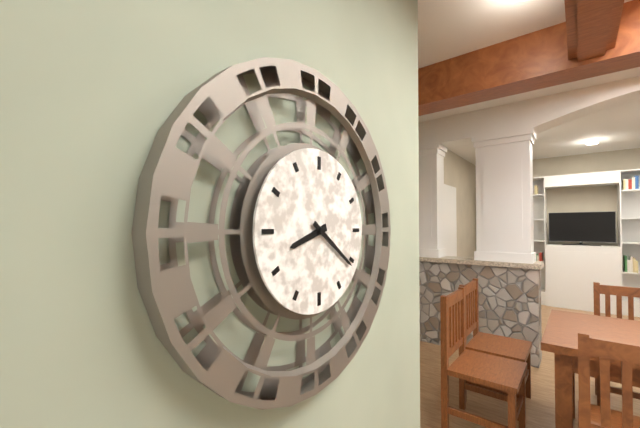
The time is 8,21
